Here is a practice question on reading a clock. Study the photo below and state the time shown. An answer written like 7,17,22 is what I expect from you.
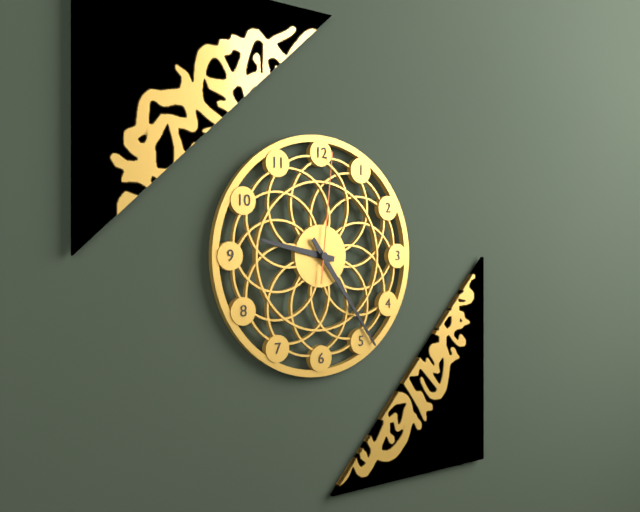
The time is 9,24,01
